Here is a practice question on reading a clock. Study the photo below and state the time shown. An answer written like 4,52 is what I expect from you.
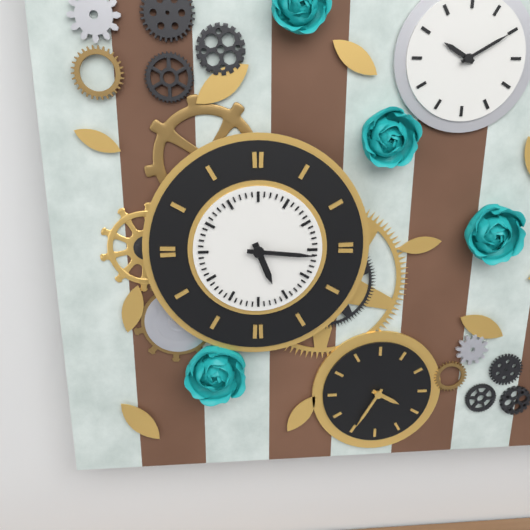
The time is 5,16
